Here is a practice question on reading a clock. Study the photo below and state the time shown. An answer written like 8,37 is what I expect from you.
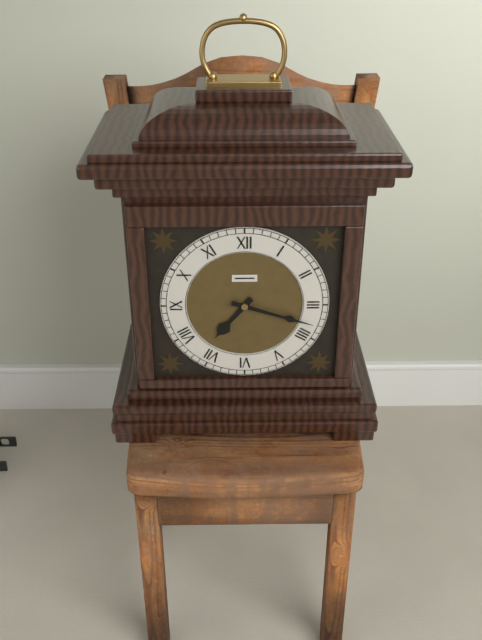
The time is 7,18
